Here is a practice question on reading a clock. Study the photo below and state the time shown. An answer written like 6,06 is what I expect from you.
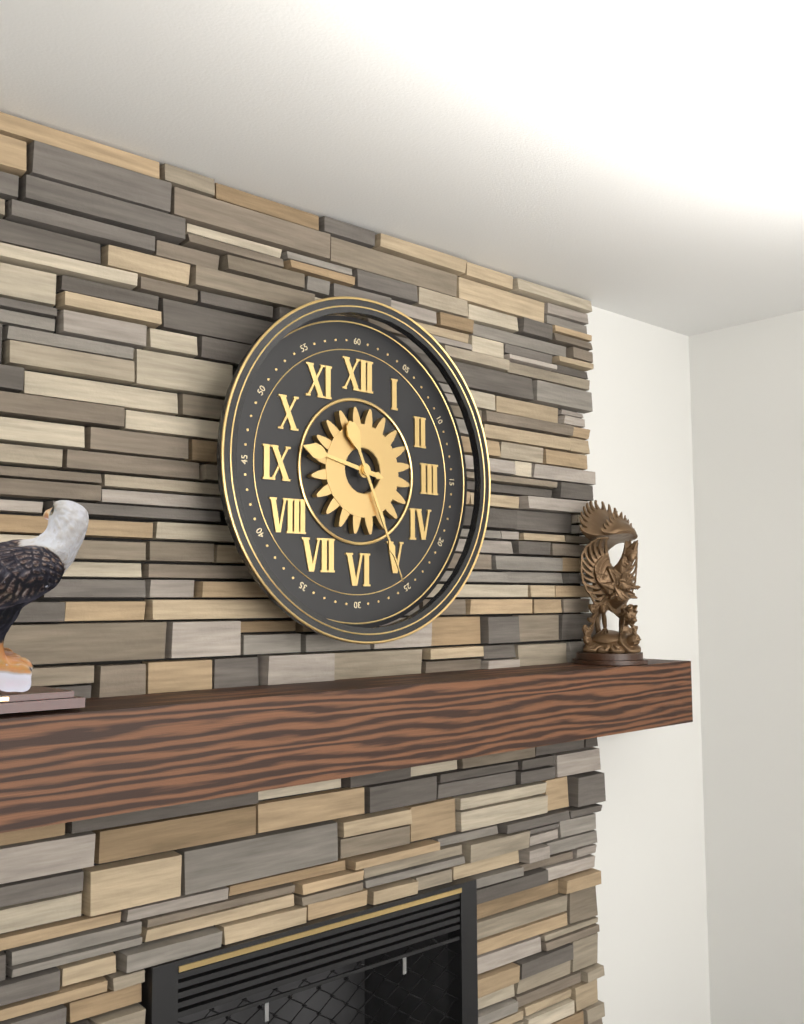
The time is 9,26
